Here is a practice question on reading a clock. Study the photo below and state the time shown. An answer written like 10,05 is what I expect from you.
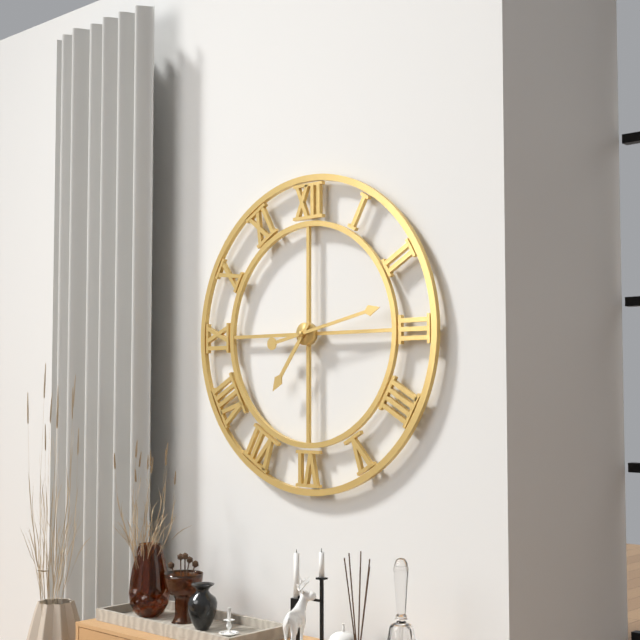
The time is 7,13
